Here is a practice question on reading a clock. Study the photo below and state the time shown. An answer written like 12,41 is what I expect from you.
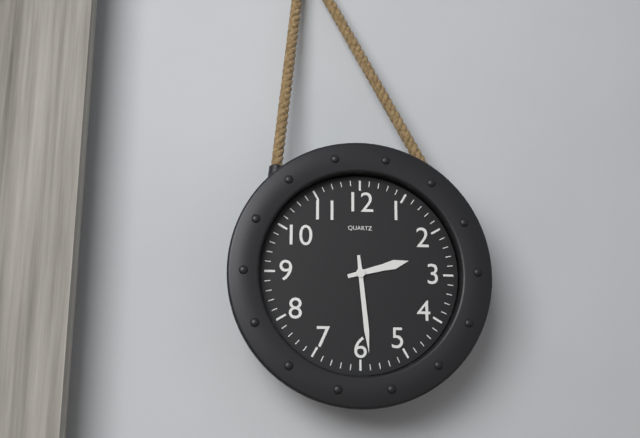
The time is 2,29
